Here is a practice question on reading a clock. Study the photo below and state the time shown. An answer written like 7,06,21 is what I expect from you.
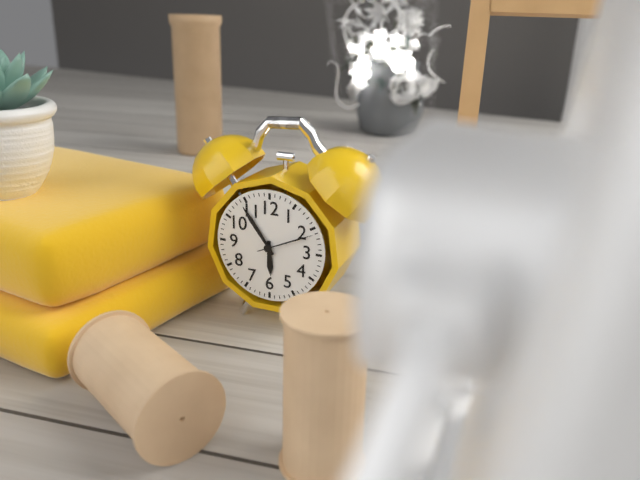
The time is 5,54,11
